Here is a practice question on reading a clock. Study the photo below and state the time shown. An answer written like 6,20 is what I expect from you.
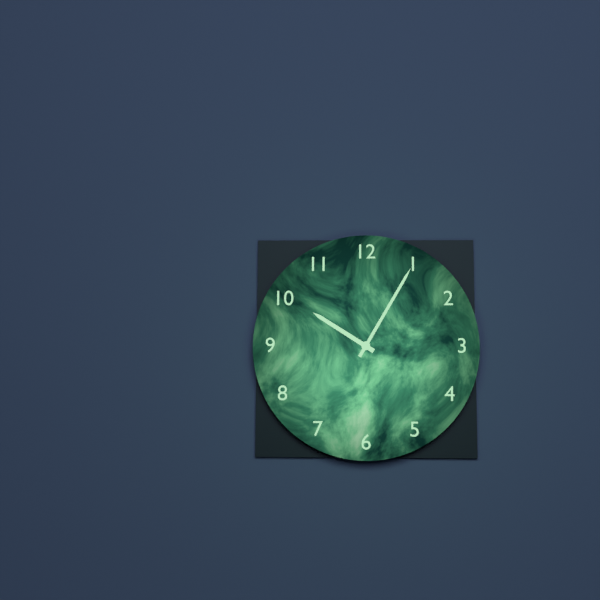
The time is 10,05
